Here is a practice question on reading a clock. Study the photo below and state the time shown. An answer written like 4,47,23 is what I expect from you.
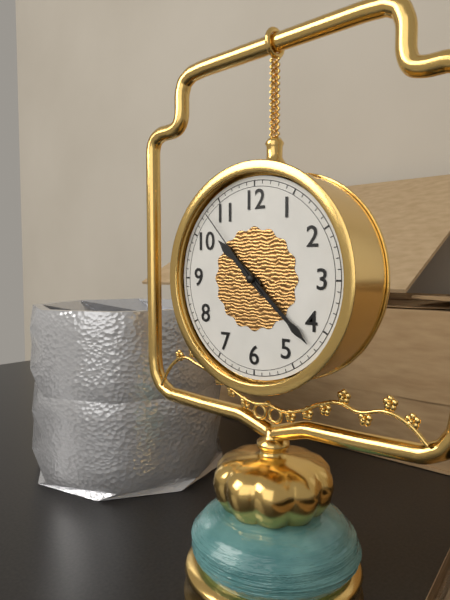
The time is 10,22,53
